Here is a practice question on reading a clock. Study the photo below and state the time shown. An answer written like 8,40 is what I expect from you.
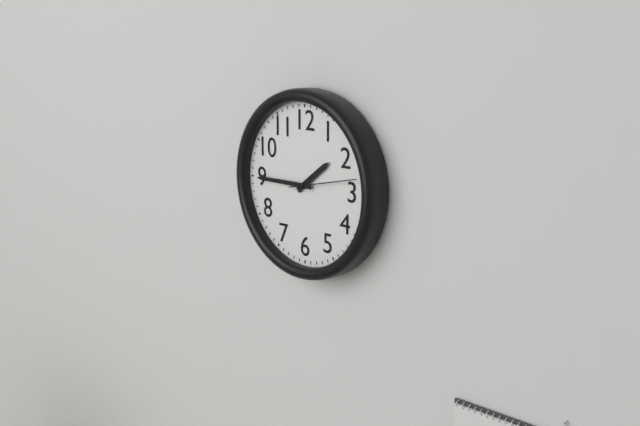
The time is 1,45
